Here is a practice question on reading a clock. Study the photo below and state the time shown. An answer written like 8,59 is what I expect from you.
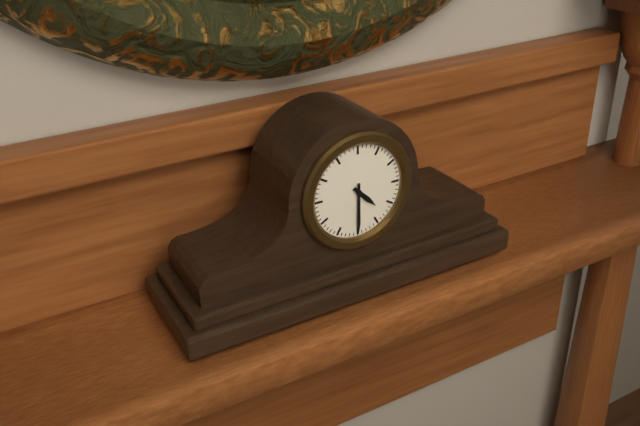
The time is 4,30
